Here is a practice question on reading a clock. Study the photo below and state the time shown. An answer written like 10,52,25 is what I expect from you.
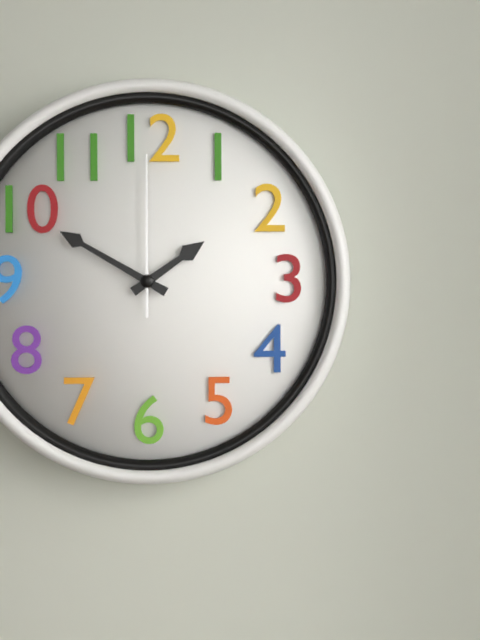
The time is 1,50,00
